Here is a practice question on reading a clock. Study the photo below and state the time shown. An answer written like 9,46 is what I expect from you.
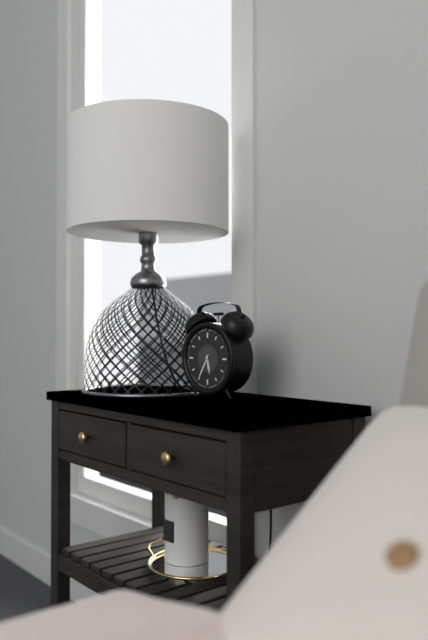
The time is 5,35
